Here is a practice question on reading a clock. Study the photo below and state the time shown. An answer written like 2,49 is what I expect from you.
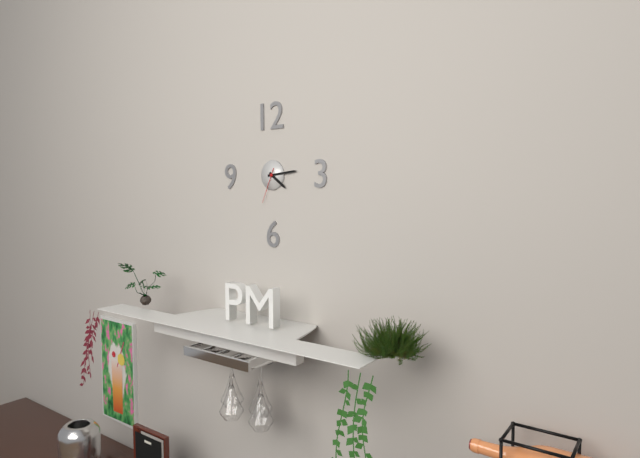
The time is 4,14
